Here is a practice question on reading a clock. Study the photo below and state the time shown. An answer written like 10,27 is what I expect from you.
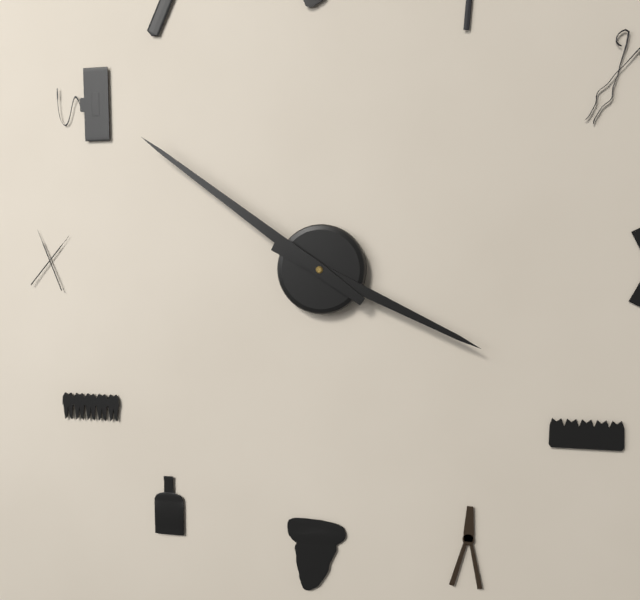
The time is 3,51
